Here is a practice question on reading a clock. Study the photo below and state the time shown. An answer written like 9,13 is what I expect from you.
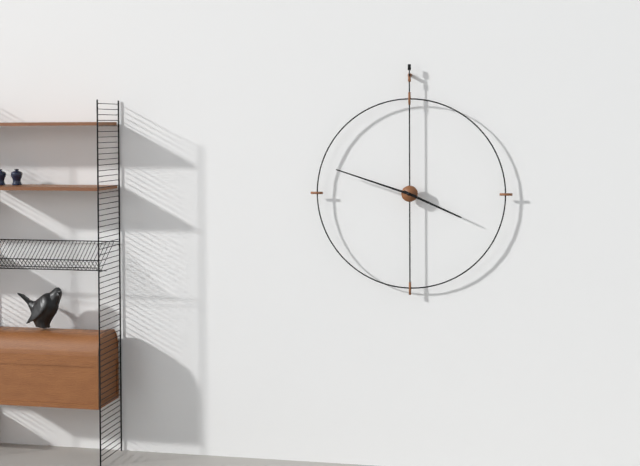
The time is 3,48
